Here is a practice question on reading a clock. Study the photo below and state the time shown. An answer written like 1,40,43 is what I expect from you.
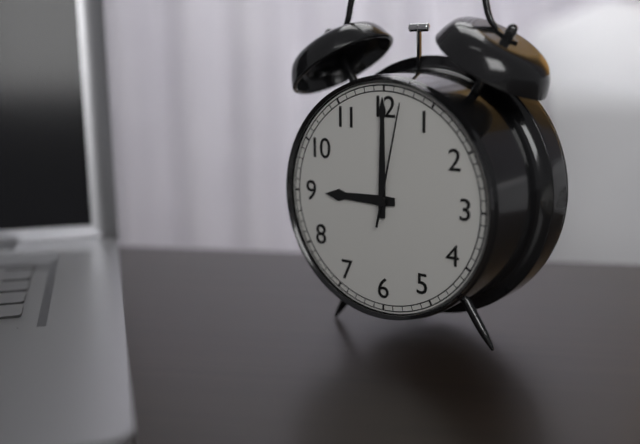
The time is 9,00,02
